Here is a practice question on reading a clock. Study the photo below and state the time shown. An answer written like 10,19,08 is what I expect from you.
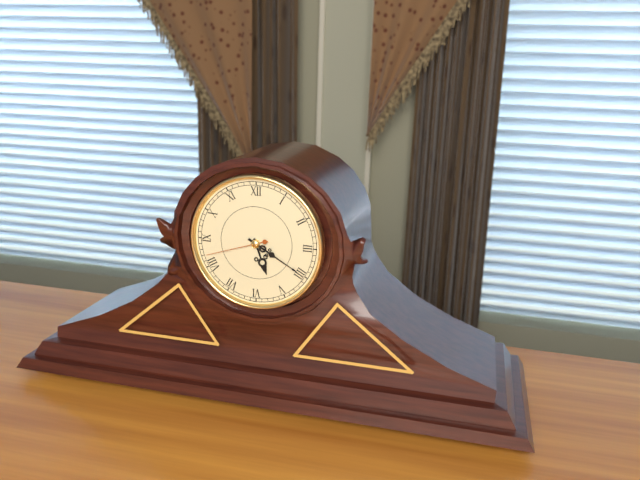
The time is 5,20,42
